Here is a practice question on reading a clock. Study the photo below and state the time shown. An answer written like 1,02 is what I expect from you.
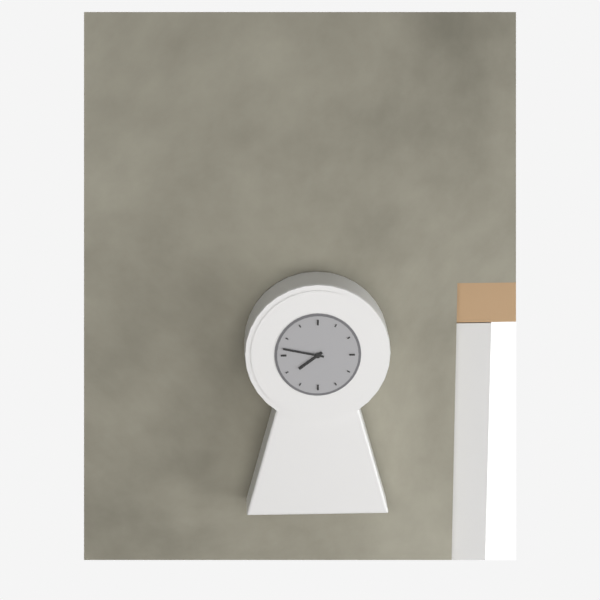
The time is 7,47
